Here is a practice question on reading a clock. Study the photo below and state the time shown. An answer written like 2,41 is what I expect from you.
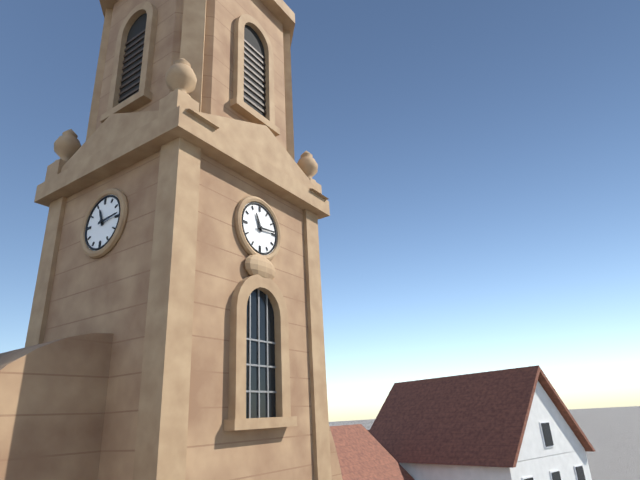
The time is 11,14
